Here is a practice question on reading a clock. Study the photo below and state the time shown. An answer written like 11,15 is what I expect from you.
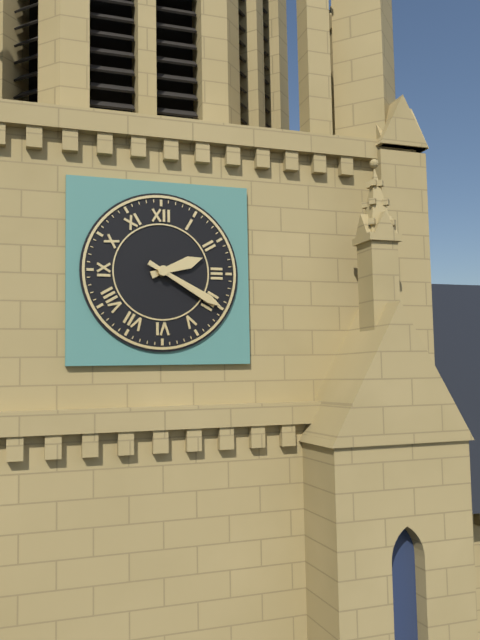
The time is 2,20
